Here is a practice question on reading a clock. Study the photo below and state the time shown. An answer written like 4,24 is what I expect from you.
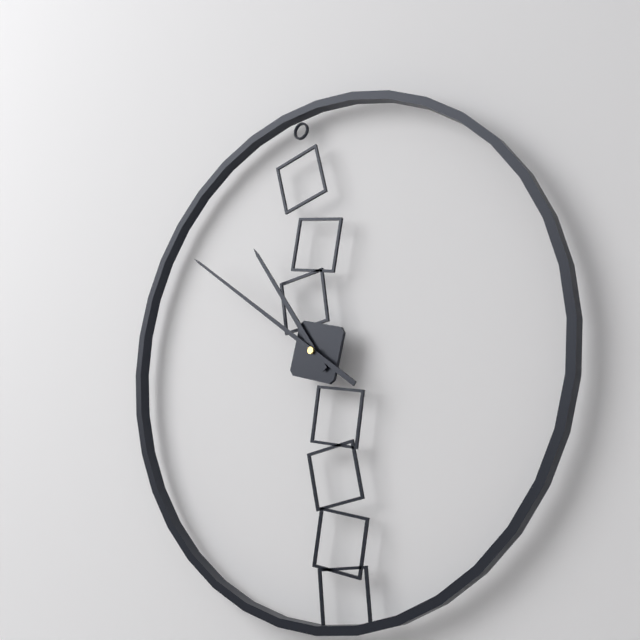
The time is 10,51
